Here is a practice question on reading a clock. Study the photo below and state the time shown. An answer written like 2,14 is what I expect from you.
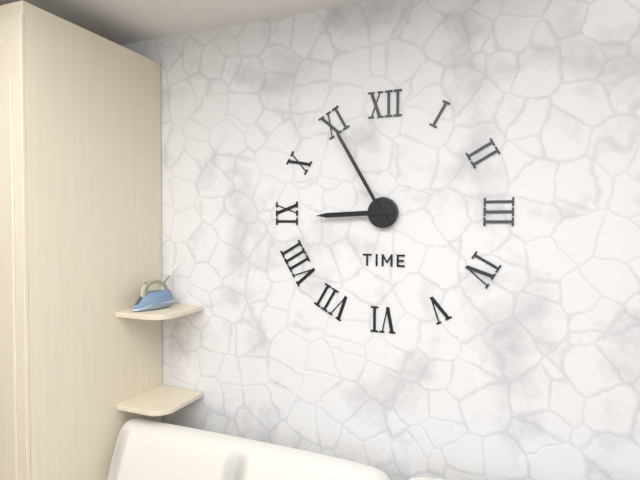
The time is 8,55
